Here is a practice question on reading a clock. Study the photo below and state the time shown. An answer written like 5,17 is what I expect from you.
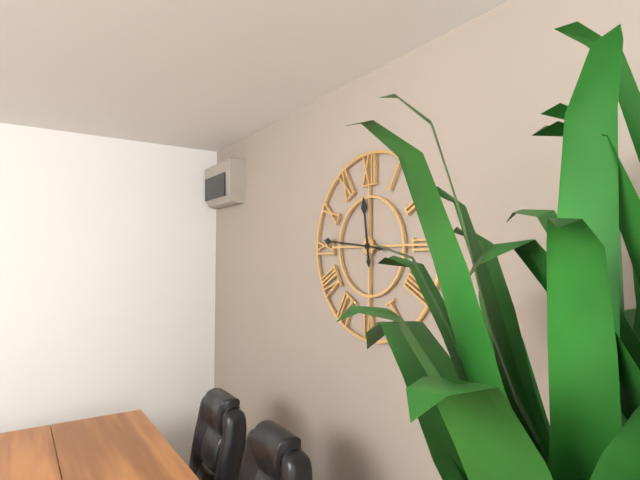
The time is 11,46
